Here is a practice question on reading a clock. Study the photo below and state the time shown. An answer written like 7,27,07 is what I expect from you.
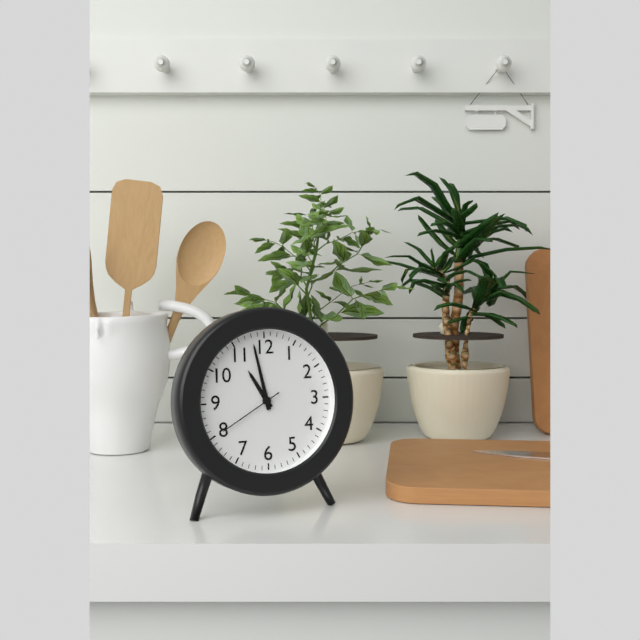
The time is 10,58,40
